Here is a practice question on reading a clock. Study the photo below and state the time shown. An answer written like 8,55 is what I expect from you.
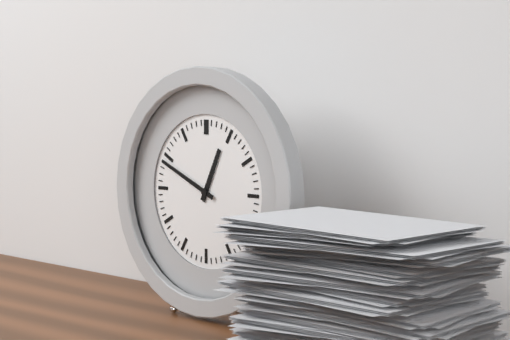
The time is 12,49
